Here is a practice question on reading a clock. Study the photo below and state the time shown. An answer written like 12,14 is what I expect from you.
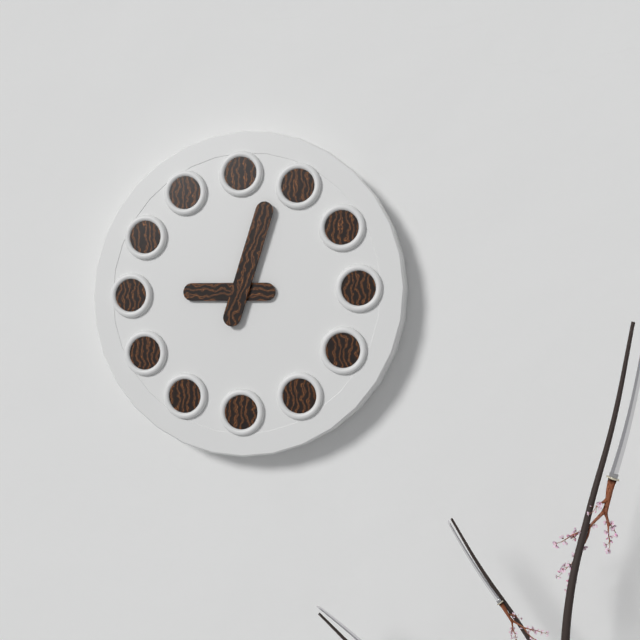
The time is 9,03
